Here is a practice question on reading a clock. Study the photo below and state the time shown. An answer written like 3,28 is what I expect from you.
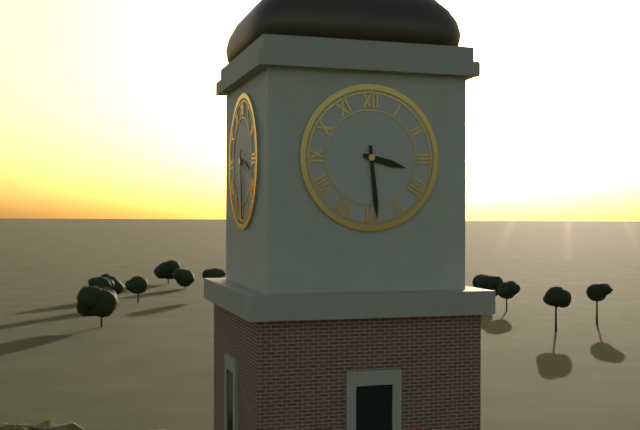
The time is 3,29
